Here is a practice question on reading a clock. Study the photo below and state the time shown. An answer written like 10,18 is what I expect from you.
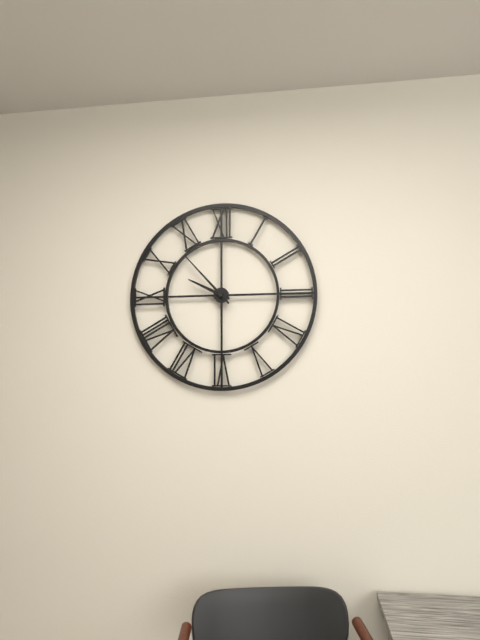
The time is 9,53
